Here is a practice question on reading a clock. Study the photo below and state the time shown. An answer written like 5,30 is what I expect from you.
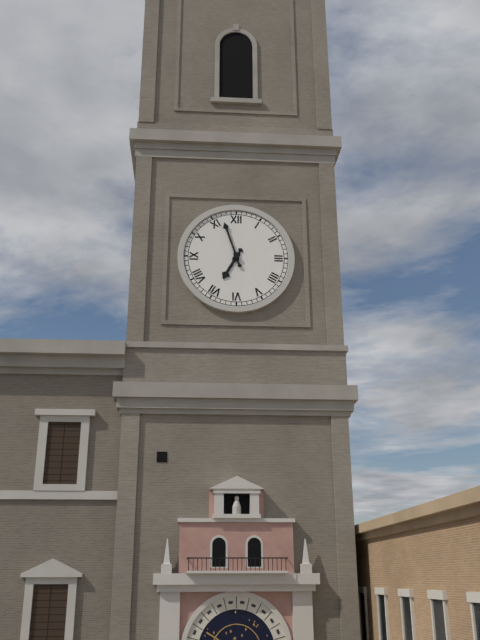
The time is 6,57
